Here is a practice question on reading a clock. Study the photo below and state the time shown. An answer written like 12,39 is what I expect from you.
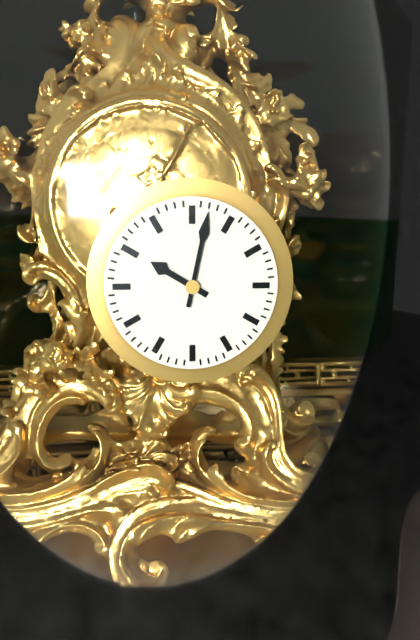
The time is 10,02
